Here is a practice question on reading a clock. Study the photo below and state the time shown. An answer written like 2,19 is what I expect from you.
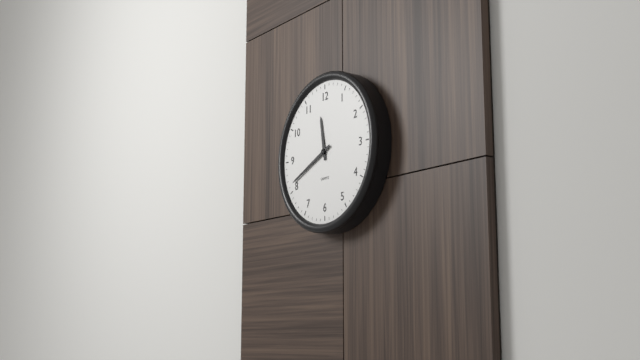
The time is 11,41
